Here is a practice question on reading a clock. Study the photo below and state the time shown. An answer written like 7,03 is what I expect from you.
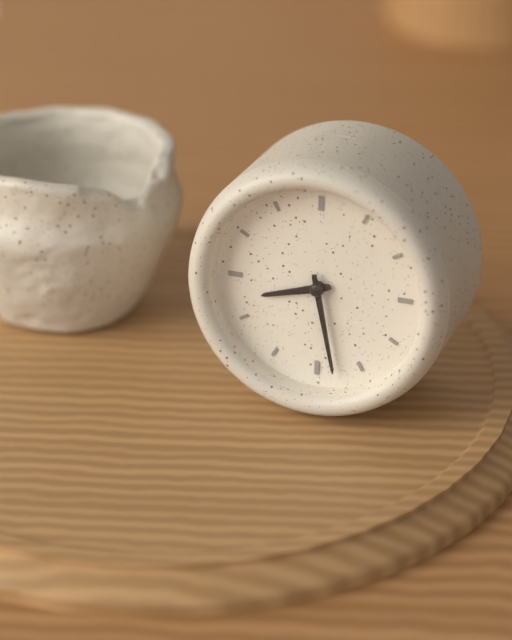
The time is 8,28
